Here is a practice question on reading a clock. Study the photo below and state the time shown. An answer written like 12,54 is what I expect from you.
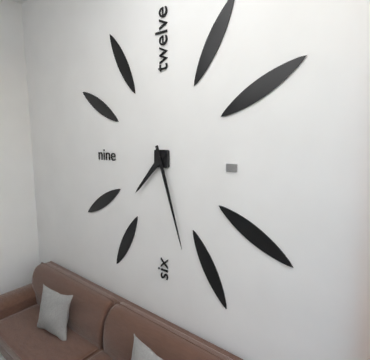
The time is 7,27
